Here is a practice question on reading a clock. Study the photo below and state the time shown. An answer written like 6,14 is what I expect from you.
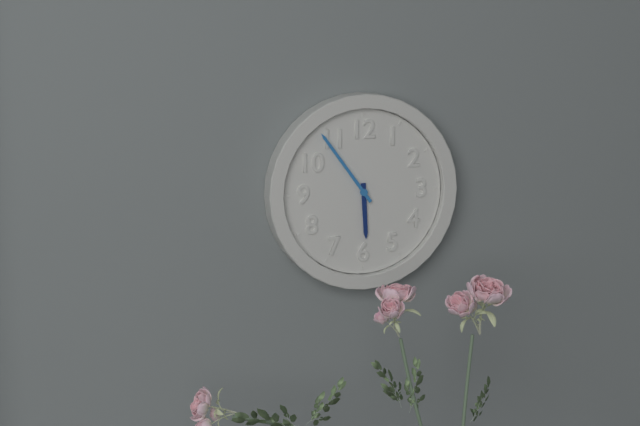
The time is 5,54
